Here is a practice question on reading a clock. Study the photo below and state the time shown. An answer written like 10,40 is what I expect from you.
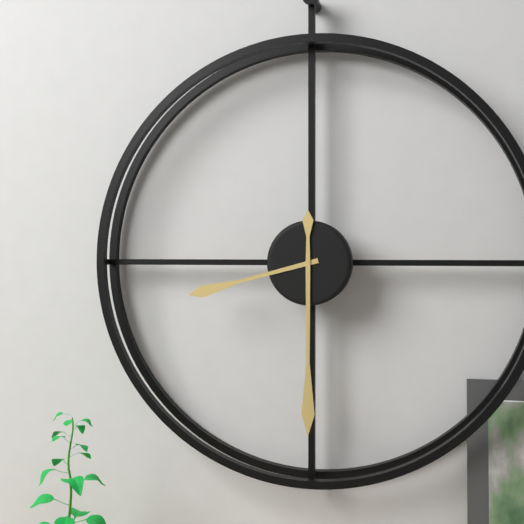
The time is 8,30
